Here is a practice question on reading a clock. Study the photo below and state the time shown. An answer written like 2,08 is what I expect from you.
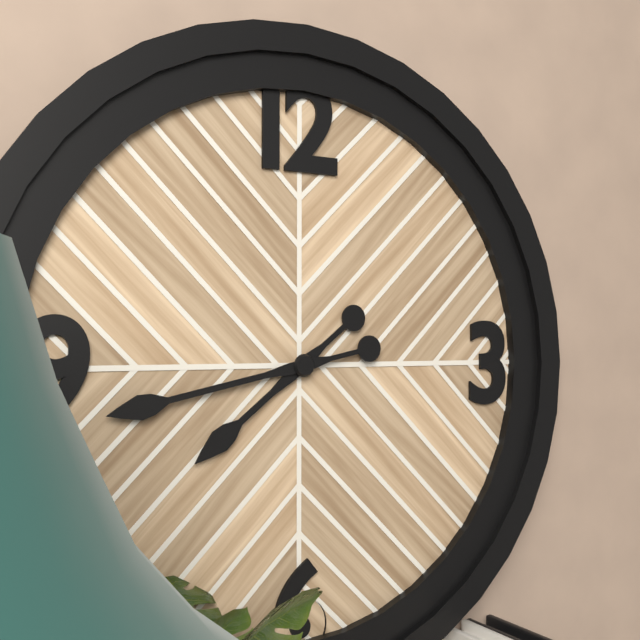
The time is 7,43
